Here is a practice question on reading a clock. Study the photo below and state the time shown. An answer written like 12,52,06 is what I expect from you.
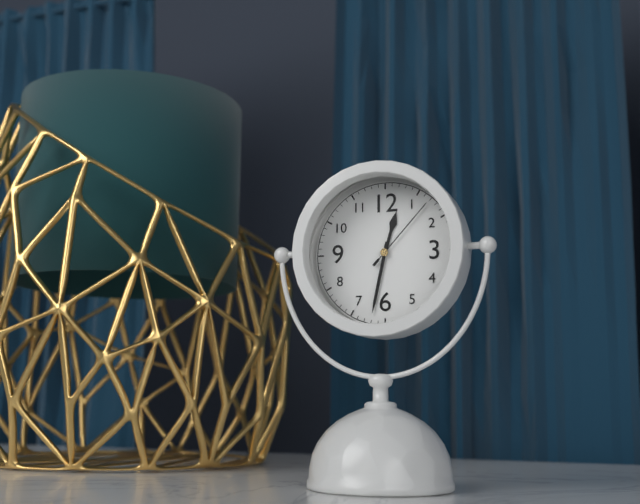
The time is 12,32,07
